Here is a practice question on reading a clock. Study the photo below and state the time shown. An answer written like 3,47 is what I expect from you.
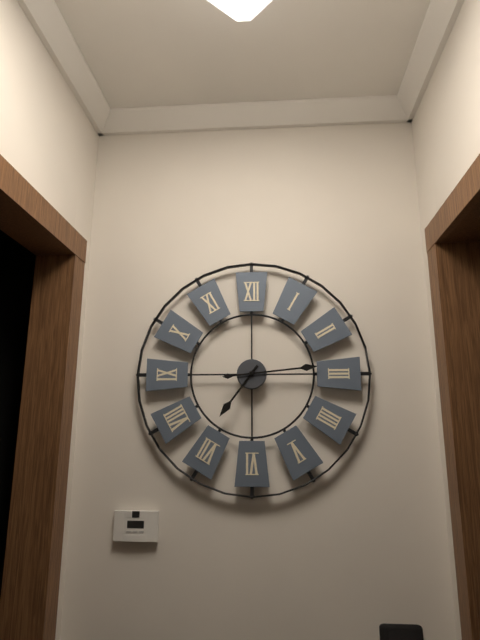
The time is 7,14
